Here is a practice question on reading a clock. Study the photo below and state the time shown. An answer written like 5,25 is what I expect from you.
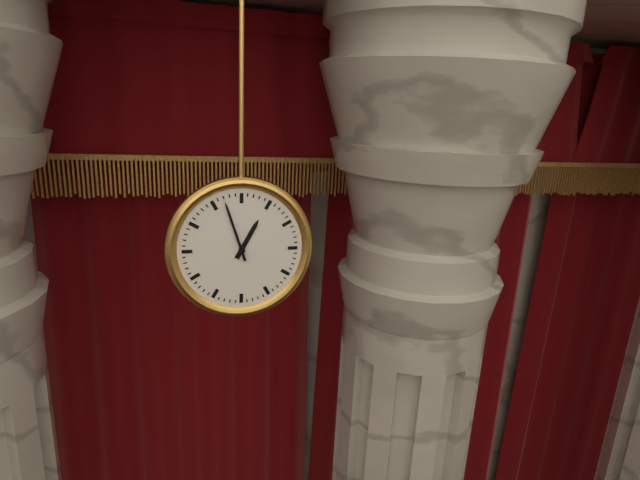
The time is 12,57
